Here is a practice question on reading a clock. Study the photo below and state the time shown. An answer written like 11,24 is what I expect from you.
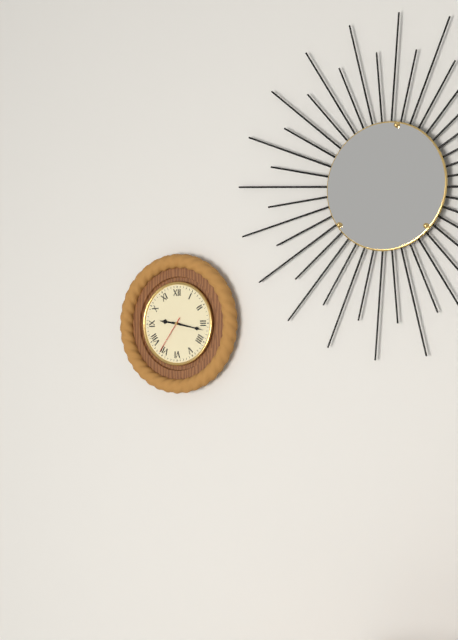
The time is 9,17
